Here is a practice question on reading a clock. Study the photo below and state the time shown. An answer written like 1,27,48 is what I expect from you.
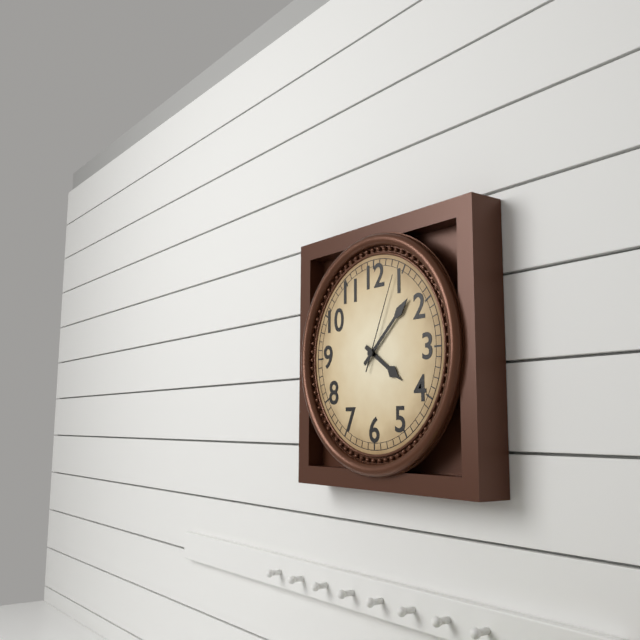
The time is 4,08,04
